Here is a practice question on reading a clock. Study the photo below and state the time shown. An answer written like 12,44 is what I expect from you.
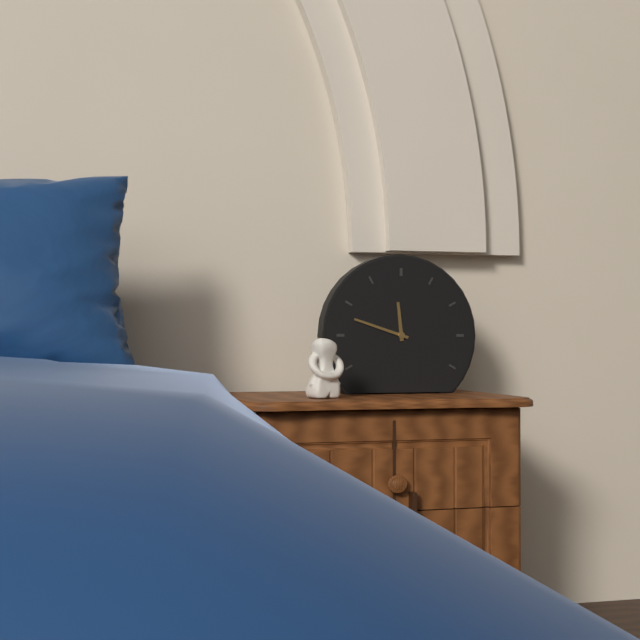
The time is 11,48
